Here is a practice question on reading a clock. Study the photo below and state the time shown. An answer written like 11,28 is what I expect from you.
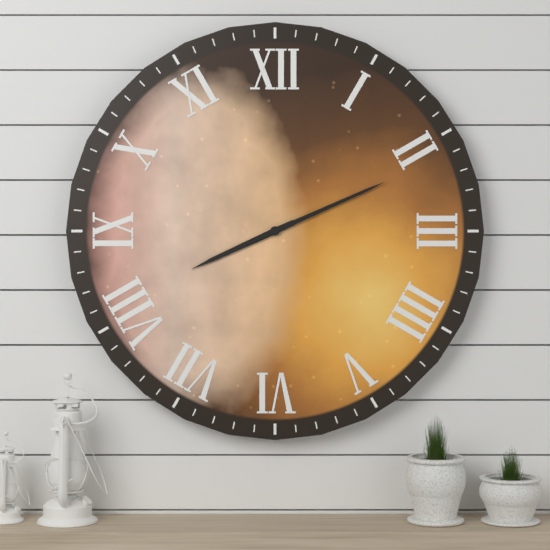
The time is 8,11
